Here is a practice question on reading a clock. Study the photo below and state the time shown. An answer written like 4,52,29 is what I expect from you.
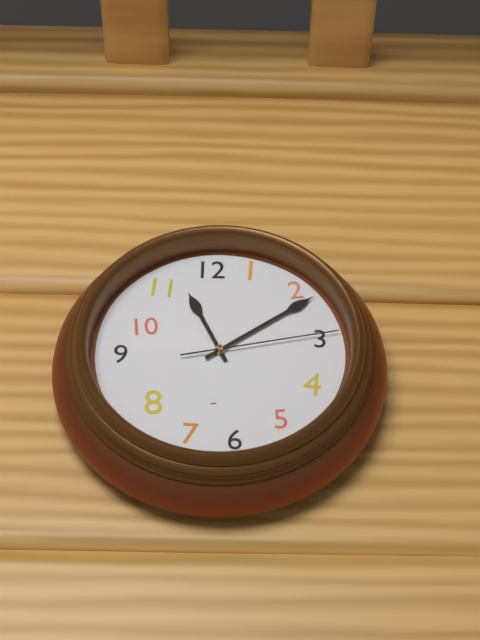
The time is 11,09,13
